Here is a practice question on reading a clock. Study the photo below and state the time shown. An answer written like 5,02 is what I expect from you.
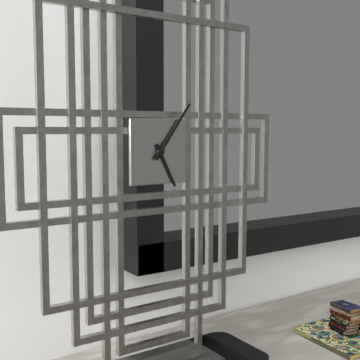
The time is 5,06
